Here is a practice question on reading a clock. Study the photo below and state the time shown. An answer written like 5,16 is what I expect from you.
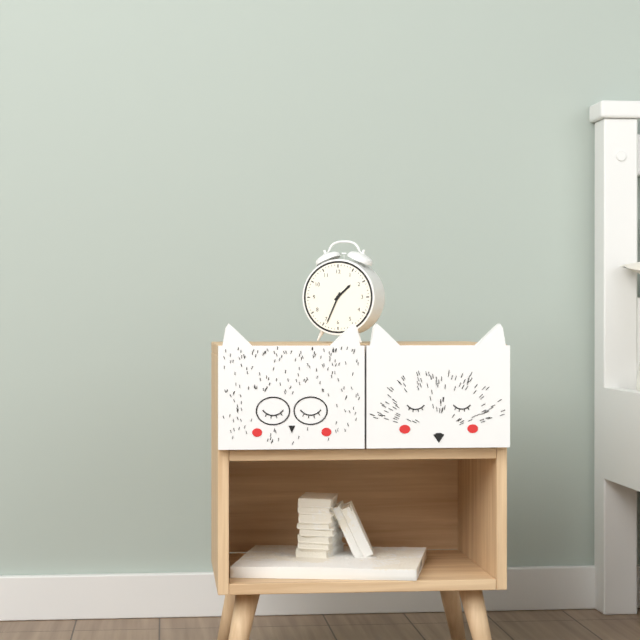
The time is 1,34
